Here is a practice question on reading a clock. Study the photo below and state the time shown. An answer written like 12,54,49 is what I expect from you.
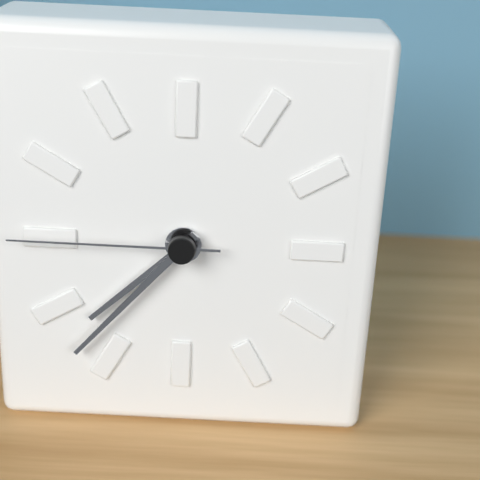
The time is 7,37,45
